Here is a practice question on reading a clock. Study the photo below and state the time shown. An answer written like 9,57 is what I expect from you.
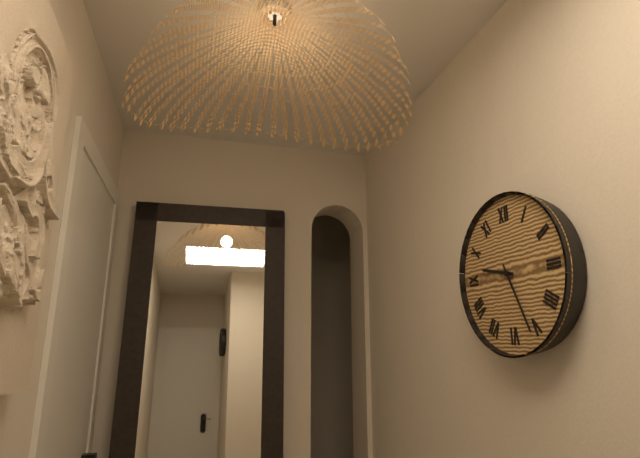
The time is 9,26
